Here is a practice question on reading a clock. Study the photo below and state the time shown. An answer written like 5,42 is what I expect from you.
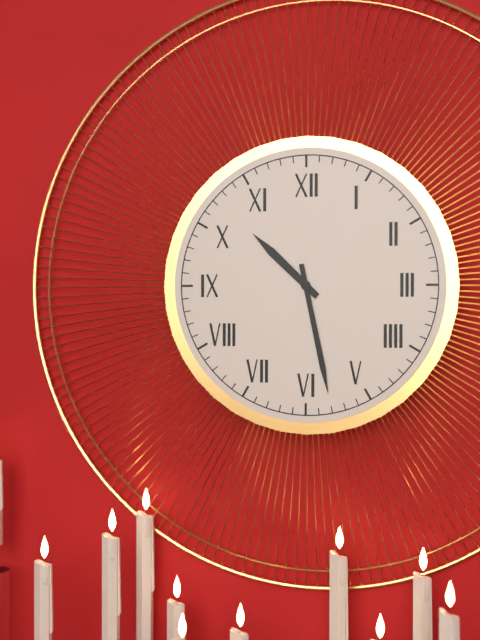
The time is 10,28
